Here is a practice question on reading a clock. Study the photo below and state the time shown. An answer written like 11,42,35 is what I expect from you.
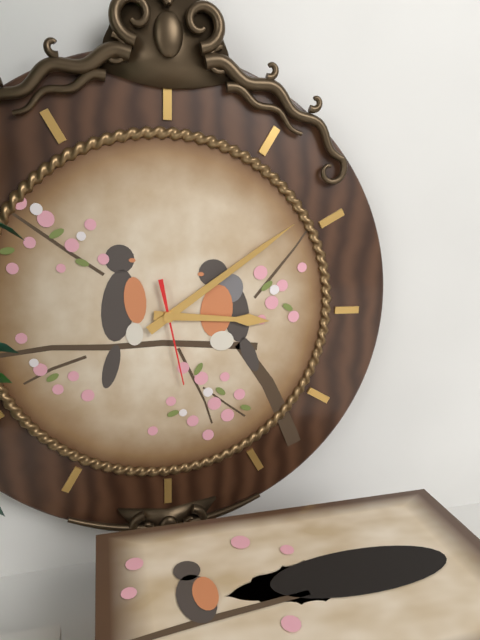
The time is 3,09,28
